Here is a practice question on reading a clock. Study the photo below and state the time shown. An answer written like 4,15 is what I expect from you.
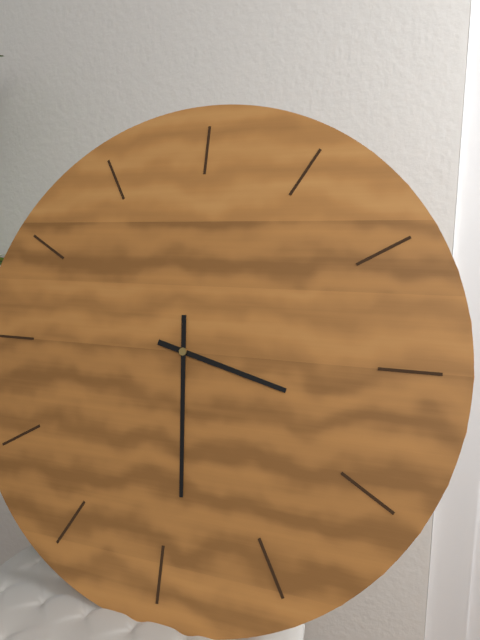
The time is 3,29
